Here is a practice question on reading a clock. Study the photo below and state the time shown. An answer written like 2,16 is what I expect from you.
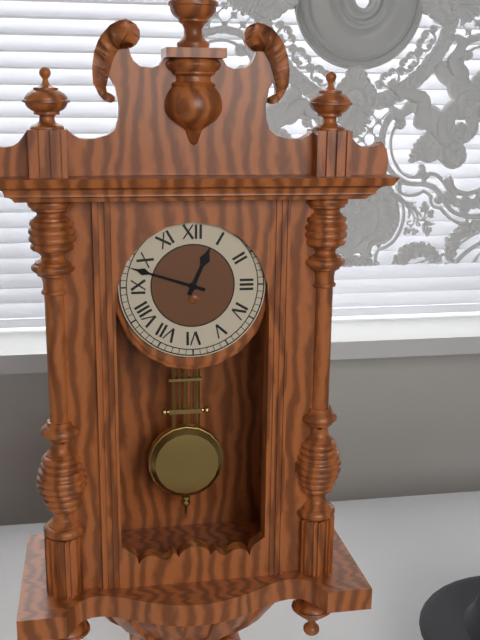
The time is 12,48
